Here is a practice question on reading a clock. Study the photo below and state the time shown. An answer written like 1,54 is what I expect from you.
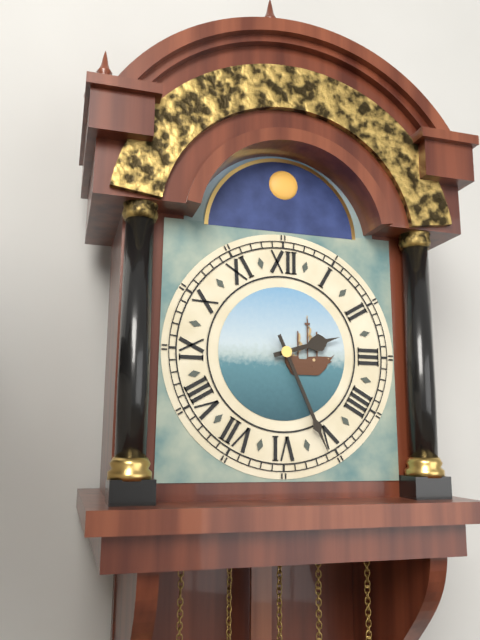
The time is 2,26
